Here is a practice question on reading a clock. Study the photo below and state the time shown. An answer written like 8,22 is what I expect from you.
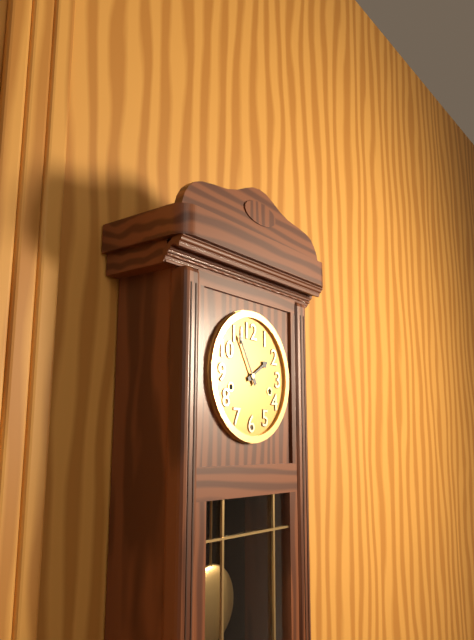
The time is 1,55
